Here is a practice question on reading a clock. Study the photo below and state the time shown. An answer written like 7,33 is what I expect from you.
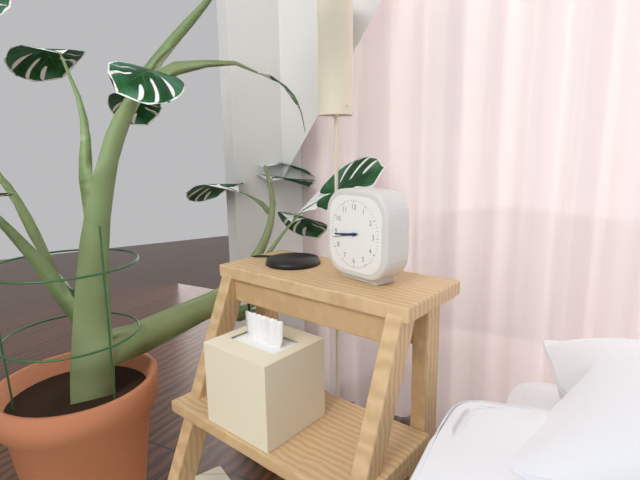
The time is 8,44
